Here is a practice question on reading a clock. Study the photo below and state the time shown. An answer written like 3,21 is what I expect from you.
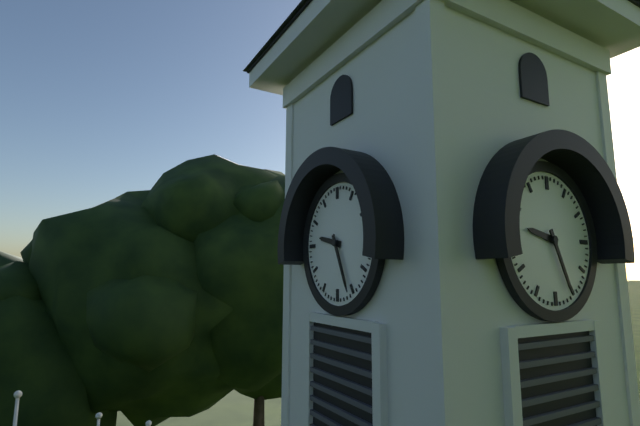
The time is 9,26
